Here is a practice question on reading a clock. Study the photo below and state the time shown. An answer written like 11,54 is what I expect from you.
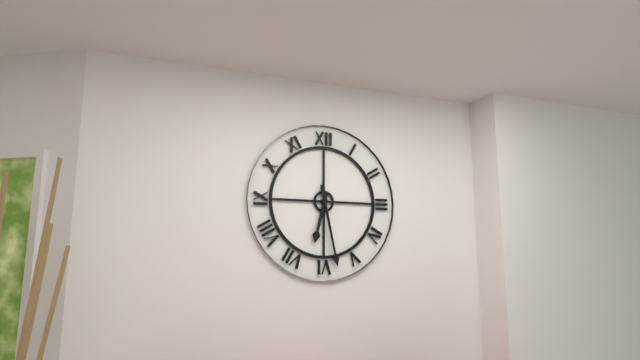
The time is 6,28
